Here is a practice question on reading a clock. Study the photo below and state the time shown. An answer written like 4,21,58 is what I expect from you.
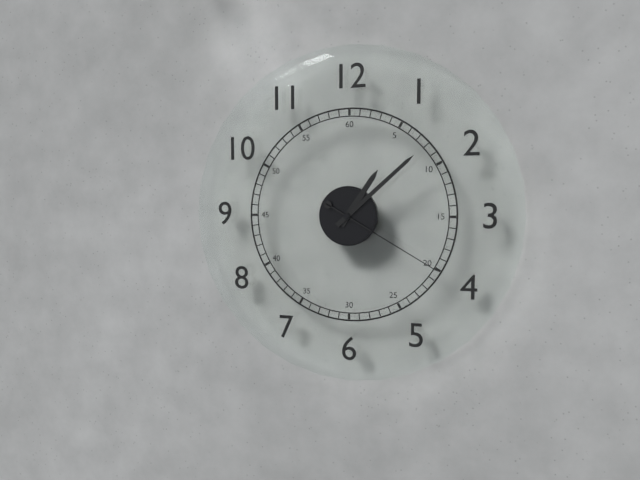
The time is 1,08,20
